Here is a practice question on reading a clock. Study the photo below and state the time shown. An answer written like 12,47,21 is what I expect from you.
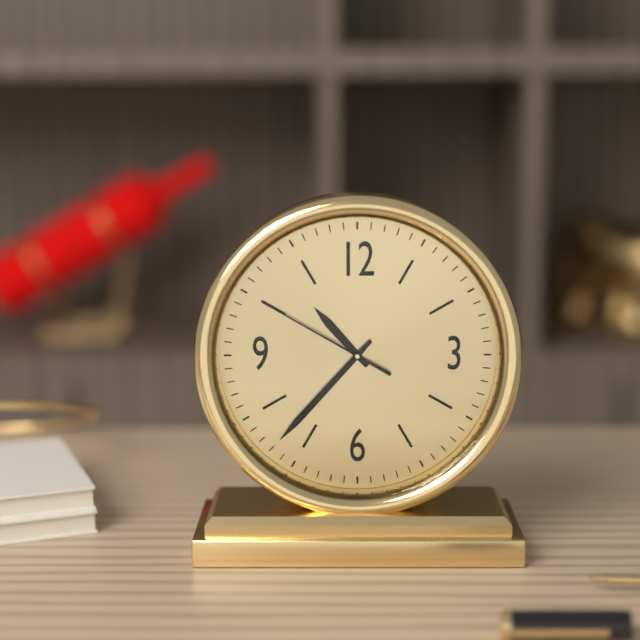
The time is 10,37,50
